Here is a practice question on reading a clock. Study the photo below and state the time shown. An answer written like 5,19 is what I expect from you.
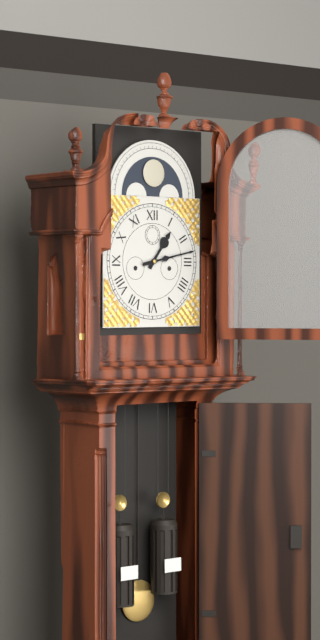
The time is 1,13
